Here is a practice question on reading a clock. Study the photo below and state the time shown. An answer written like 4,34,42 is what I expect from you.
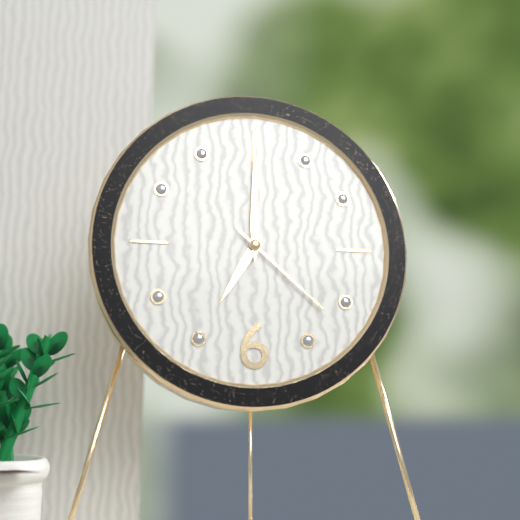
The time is 7,00,22
